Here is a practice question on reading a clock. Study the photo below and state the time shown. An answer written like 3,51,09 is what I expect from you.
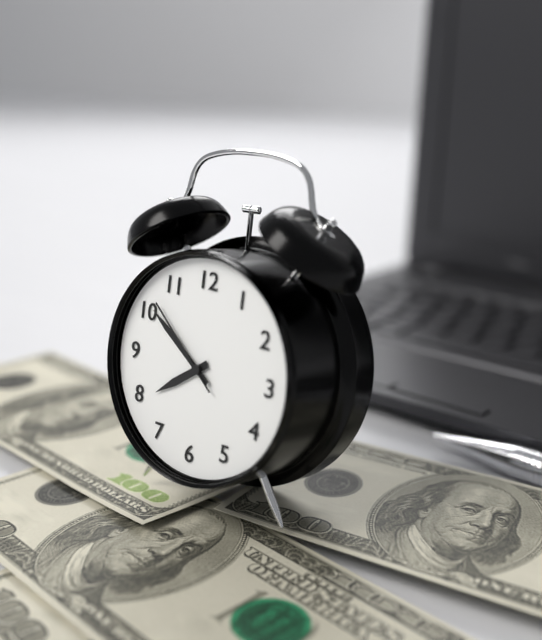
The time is 7,51,52
